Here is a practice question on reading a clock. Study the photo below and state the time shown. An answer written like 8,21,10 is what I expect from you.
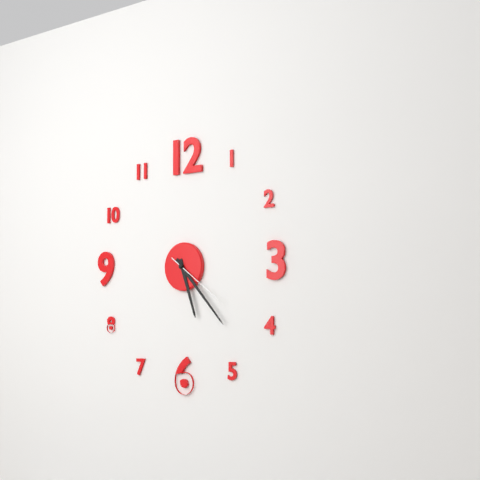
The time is 5,23,21
